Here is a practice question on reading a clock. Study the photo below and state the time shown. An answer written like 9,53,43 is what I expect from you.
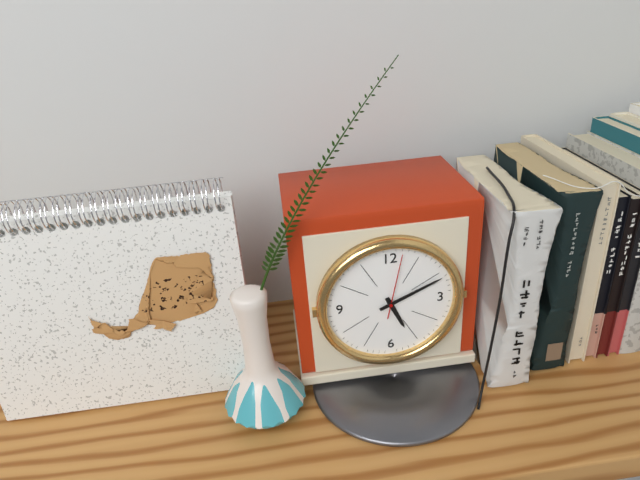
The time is 5,11,02
